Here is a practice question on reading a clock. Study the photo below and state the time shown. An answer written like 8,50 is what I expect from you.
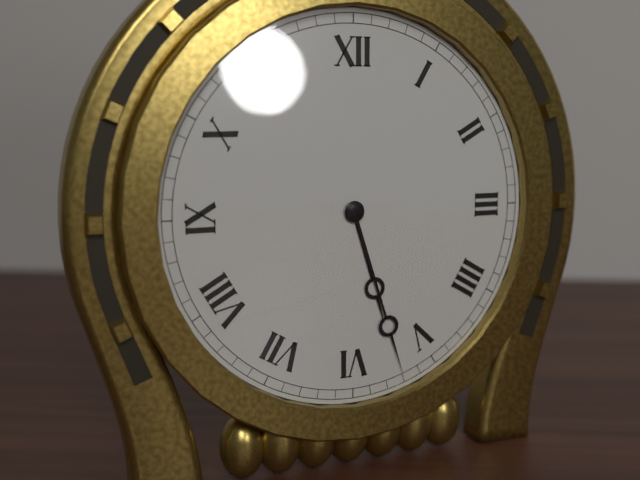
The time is 5,27
